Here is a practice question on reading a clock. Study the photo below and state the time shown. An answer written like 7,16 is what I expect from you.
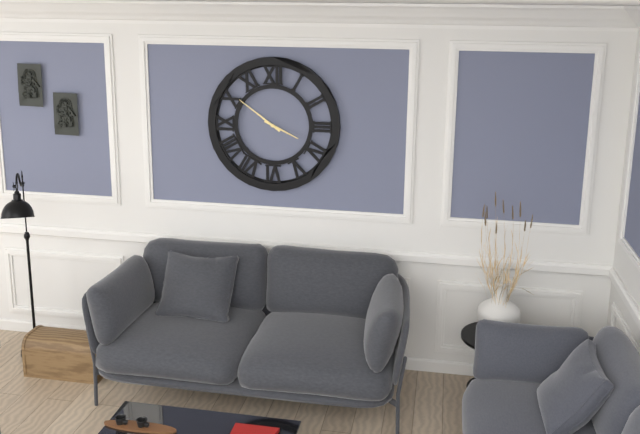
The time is 3,51
